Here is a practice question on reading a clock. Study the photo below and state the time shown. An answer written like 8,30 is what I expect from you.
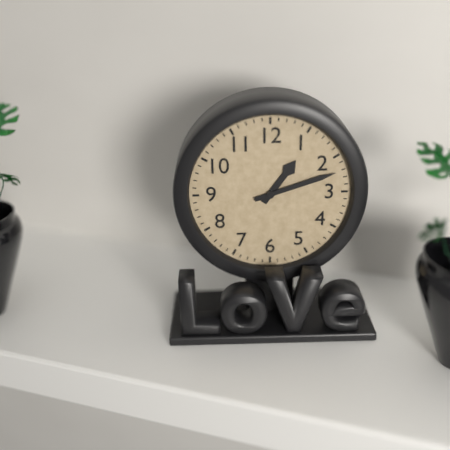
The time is 1,12
